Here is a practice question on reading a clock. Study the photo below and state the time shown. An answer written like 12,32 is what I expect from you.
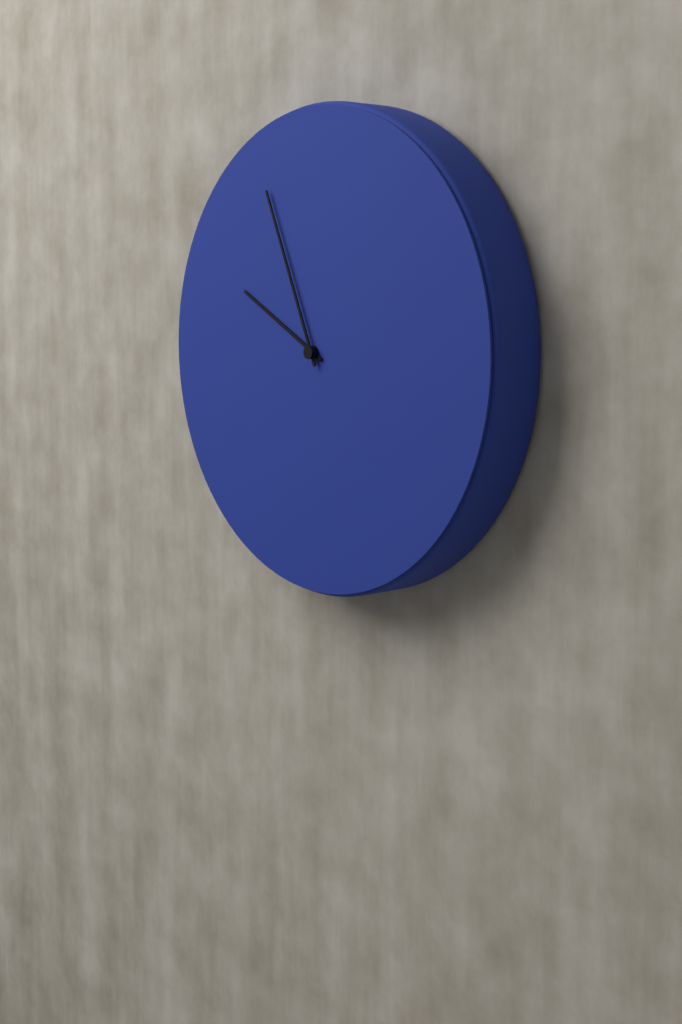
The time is 9,56
